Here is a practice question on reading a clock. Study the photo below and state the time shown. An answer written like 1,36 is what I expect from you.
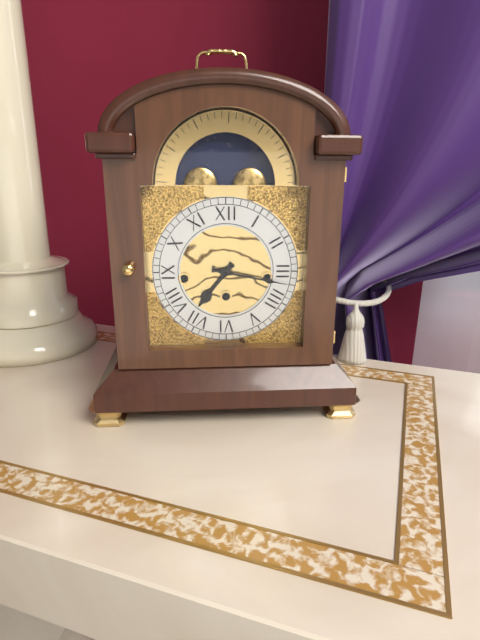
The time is 7,17
